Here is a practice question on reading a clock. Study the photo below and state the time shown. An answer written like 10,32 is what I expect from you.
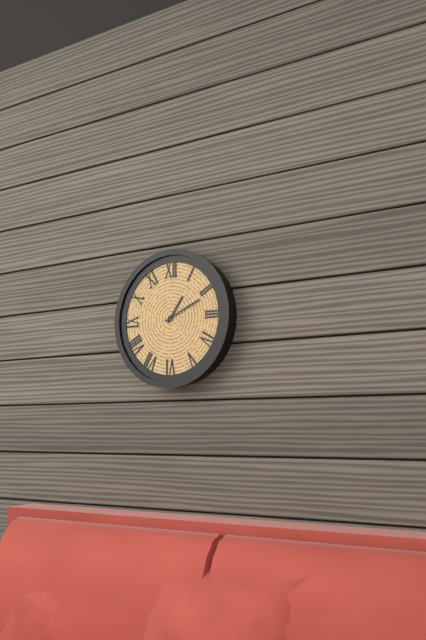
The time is 1,11
